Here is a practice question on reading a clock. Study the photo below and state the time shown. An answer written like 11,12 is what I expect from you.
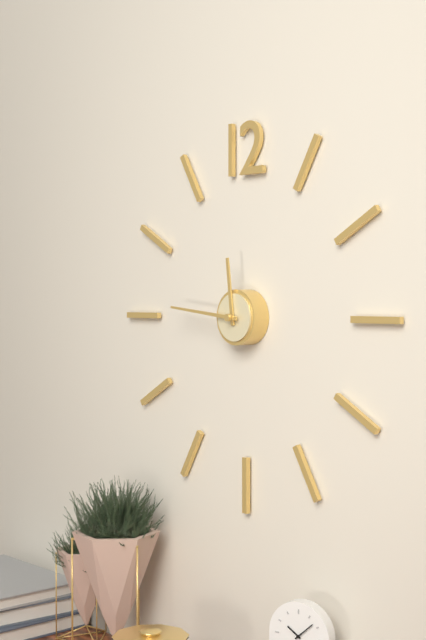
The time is 11,46
